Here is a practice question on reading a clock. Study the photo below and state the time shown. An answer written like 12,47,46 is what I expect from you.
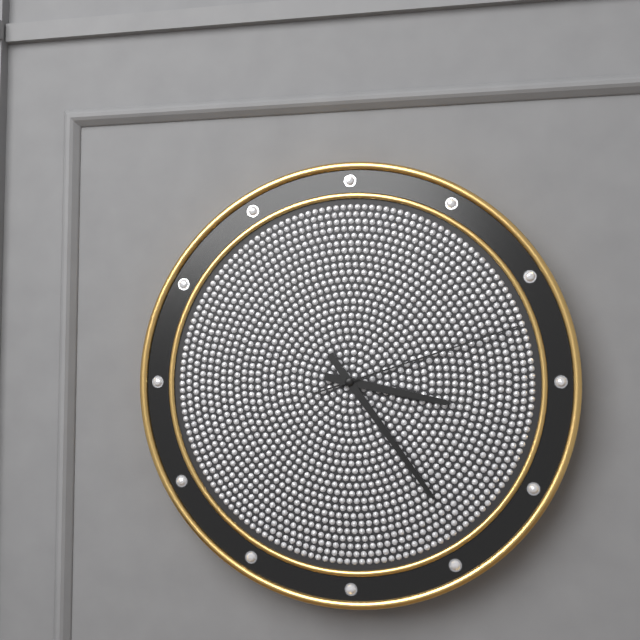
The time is 3,24,12
